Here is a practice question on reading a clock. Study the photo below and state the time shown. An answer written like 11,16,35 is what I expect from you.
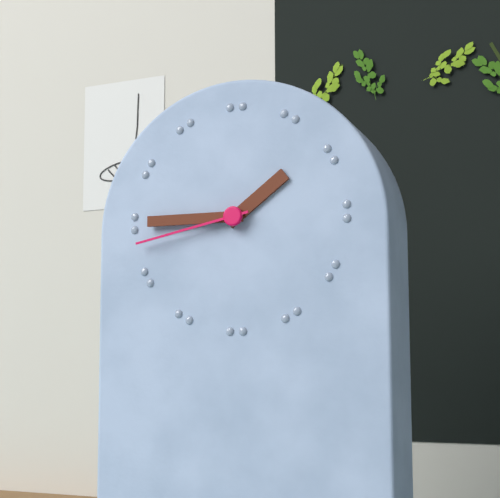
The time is 1,45,43
